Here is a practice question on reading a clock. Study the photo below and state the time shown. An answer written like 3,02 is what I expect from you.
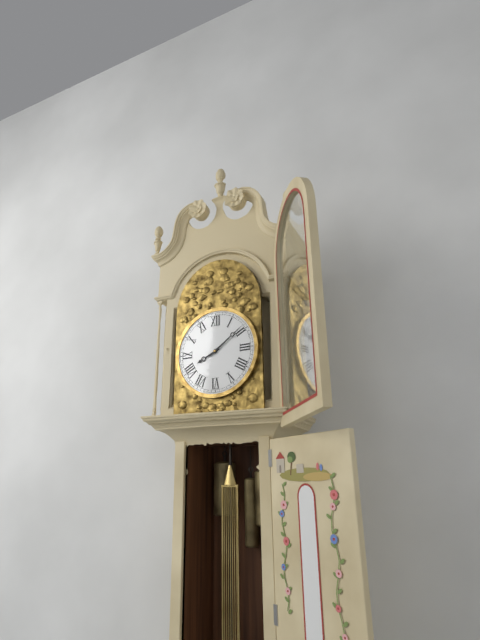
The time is 8,09
